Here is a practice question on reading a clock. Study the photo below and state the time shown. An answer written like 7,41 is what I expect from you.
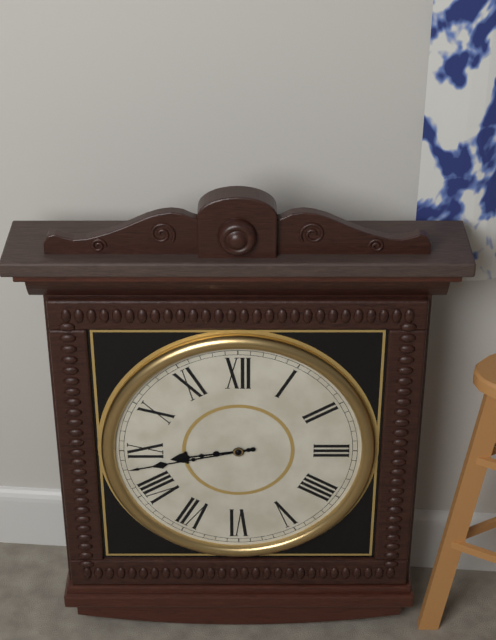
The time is 8,43
